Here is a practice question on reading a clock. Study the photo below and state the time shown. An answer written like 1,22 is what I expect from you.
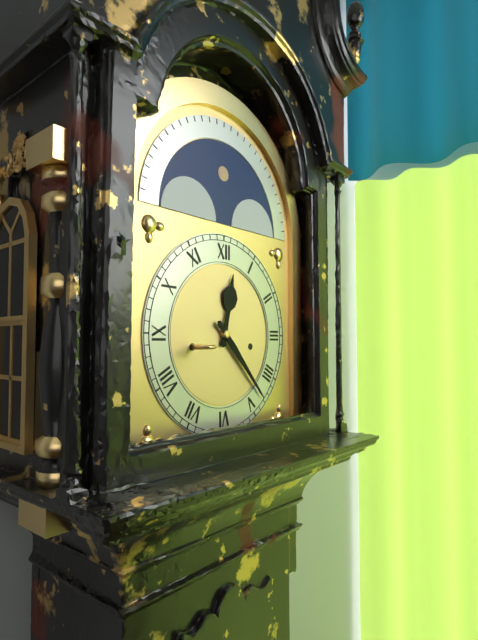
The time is 12,23
